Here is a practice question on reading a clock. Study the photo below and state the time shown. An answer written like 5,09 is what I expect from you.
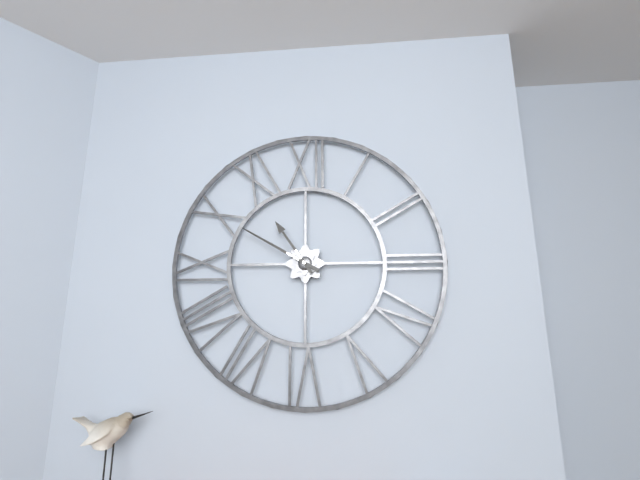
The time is 10,50
